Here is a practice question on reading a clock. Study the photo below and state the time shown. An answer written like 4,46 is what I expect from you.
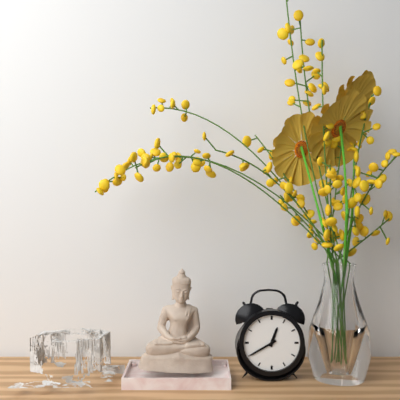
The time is 12,40
